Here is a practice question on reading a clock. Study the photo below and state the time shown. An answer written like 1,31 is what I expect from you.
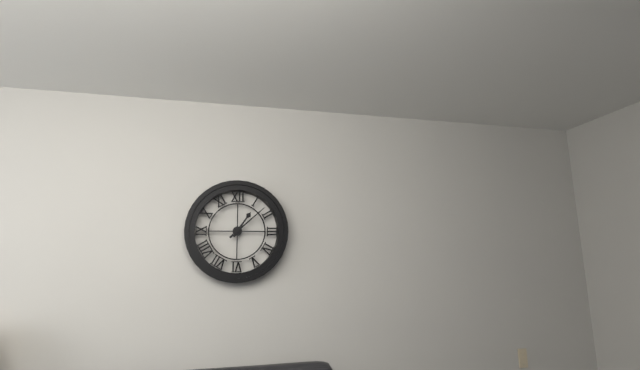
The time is 1,08
